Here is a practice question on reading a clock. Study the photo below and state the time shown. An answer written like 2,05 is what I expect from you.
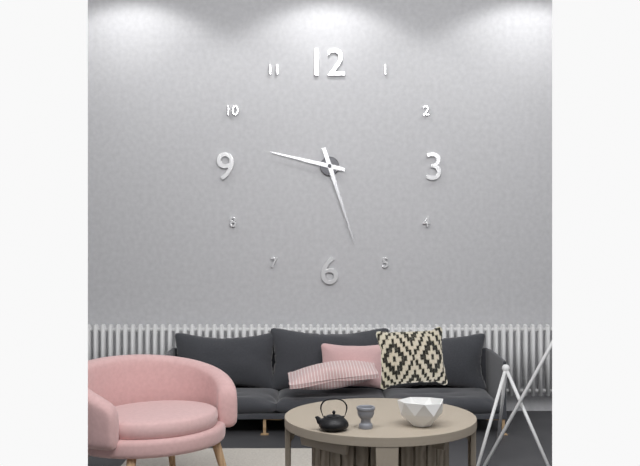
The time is 9,27
